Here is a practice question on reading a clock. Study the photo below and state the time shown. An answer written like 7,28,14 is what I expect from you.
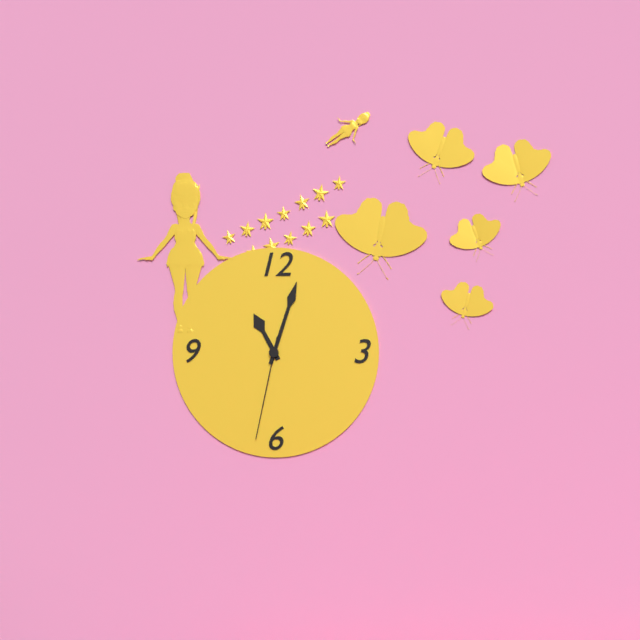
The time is 11,03,32
